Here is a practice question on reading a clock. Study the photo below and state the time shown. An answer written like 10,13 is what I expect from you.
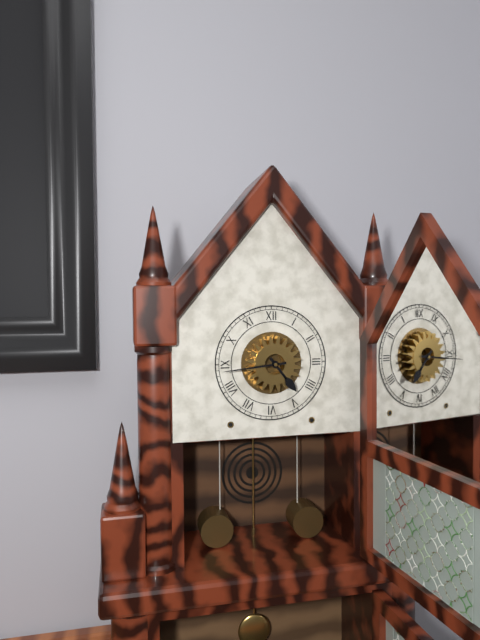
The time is 4,44
